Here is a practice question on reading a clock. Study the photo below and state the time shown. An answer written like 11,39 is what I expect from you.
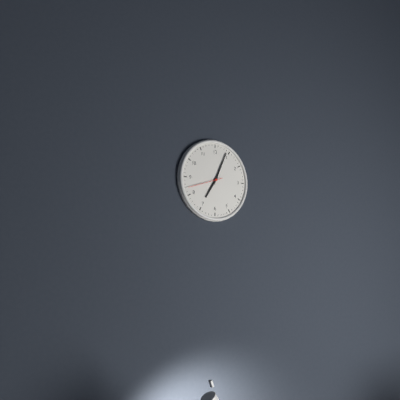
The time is 7,04
